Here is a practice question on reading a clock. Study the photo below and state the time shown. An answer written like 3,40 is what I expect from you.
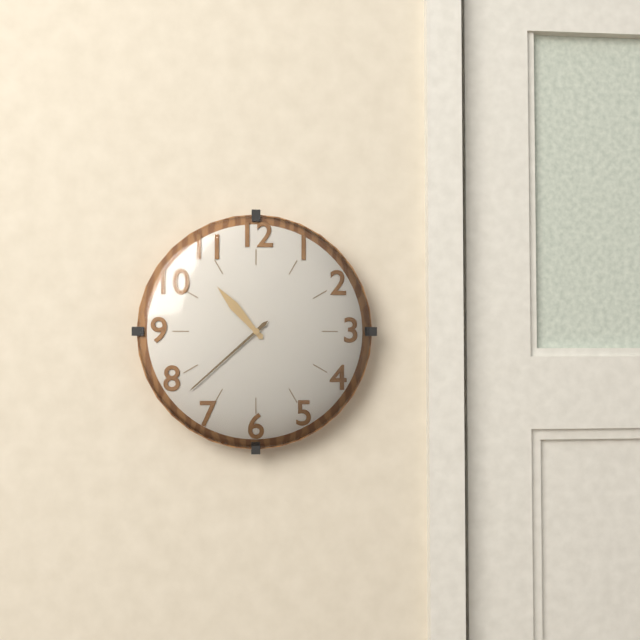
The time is 10,38
